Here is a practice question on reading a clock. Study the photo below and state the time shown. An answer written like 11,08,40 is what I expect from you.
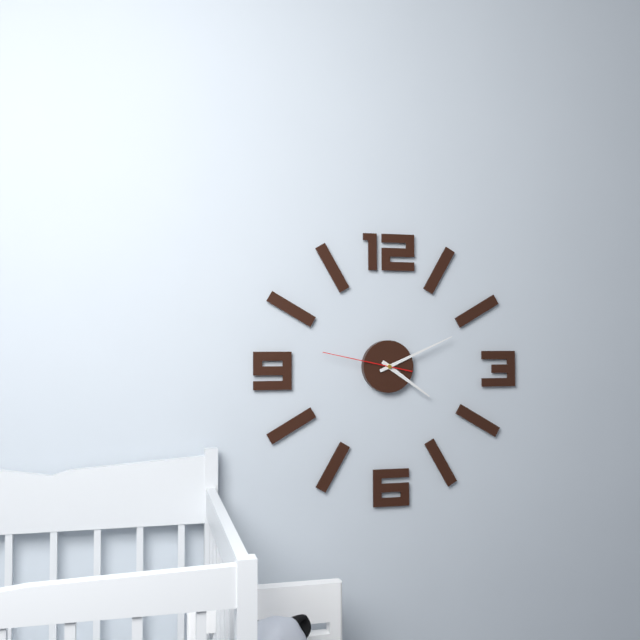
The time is 4,11,47
